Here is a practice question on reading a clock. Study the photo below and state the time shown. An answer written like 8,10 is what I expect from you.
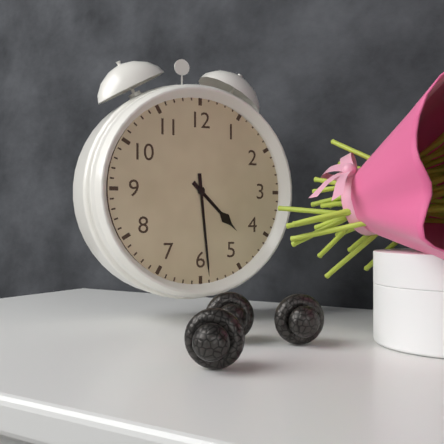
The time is 4,29
